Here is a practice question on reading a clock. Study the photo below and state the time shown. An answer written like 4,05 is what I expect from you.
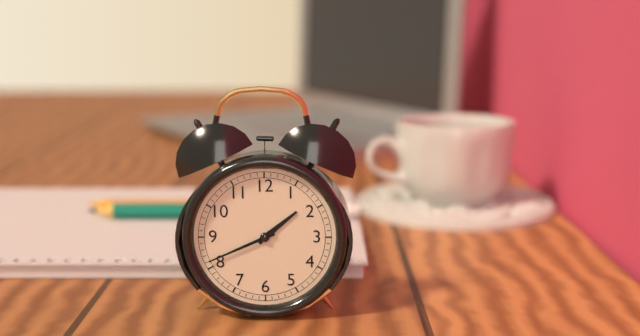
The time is 1,41
